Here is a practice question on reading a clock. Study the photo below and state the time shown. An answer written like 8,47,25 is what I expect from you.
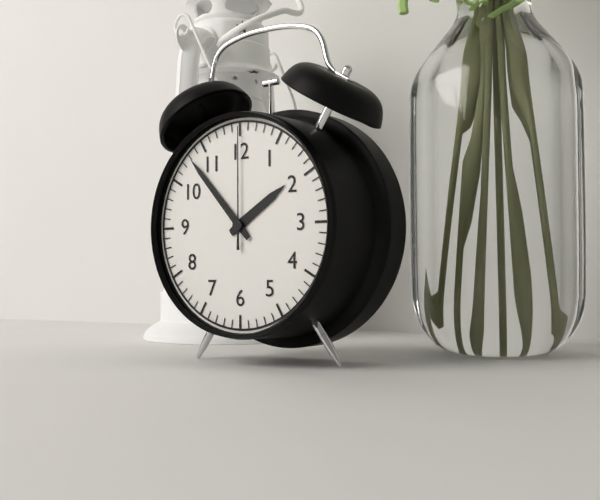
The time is 1,53,00
